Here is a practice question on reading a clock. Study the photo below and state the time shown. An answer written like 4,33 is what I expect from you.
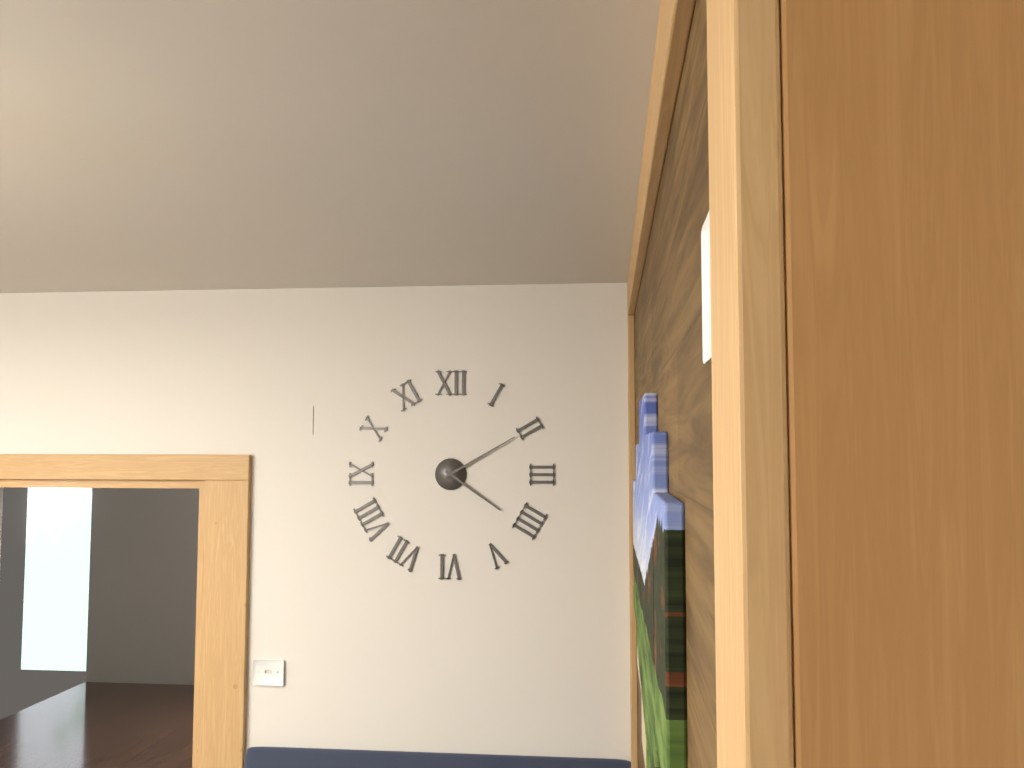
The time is 4,10
